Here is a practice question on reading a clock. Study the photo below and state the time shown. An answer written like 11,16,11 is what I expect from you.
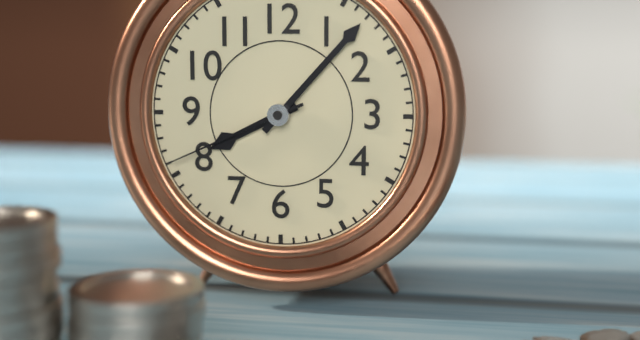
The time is 8,07,41
